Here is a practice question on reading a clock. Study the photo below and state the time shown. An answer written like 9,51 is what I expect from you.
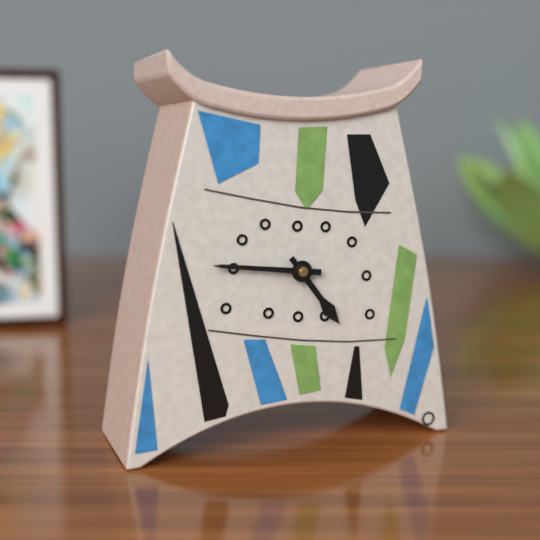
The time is 4,46
